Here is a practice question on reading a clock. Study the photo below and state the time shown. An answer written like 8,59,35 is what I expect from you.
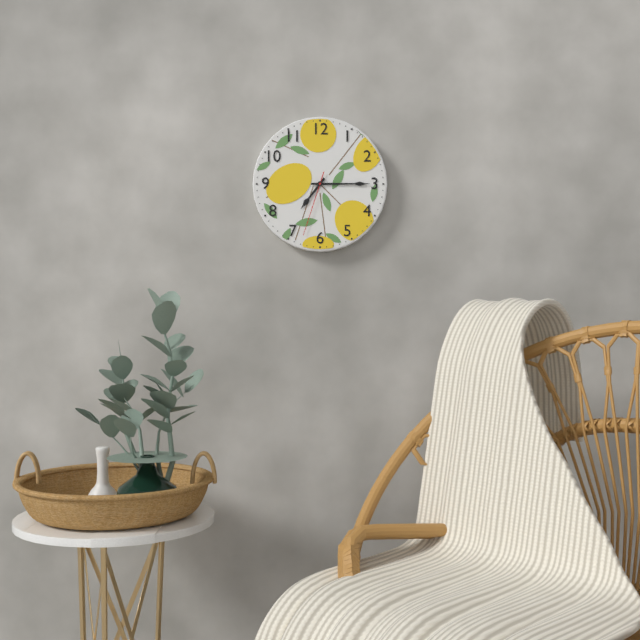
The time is 7,15,33
